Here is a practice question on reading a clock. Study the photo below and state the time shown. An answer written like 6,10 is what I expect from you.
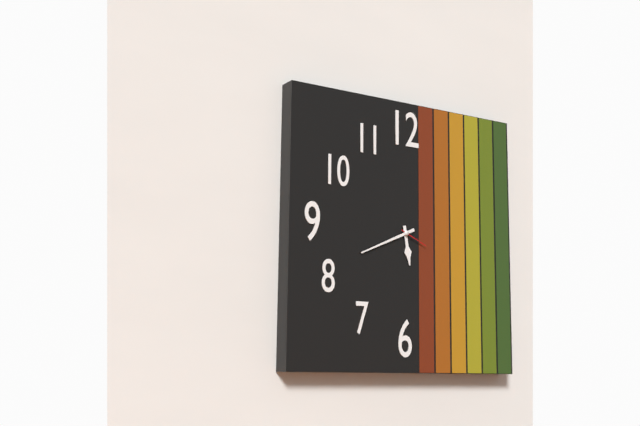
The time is 5,41
